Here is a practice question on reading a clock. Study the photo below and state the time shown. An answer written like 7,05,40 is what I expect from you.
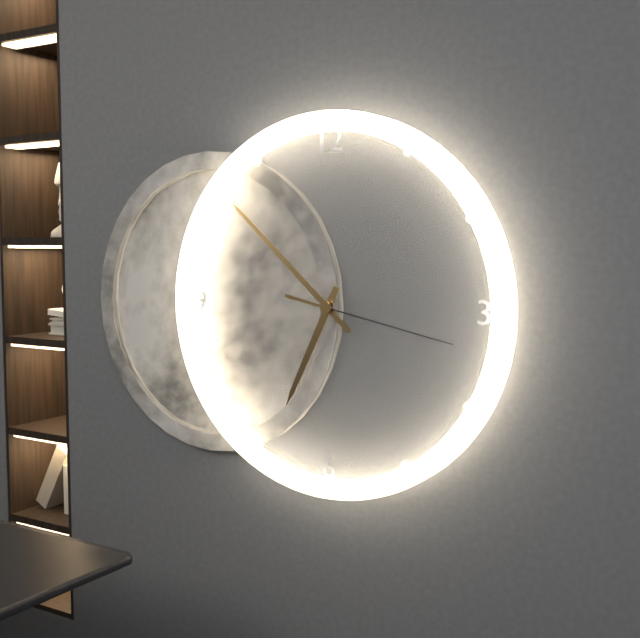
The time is 6,52,17
